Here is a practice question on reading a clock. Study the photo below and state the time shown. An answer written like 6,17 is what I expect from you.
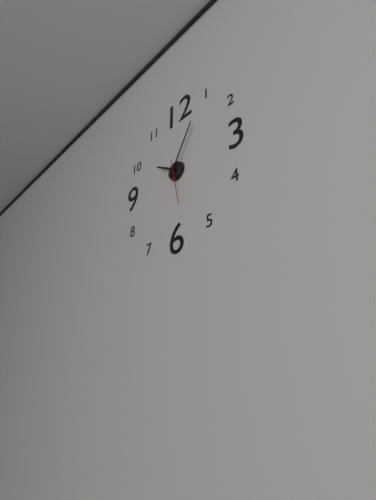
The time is 10,05
